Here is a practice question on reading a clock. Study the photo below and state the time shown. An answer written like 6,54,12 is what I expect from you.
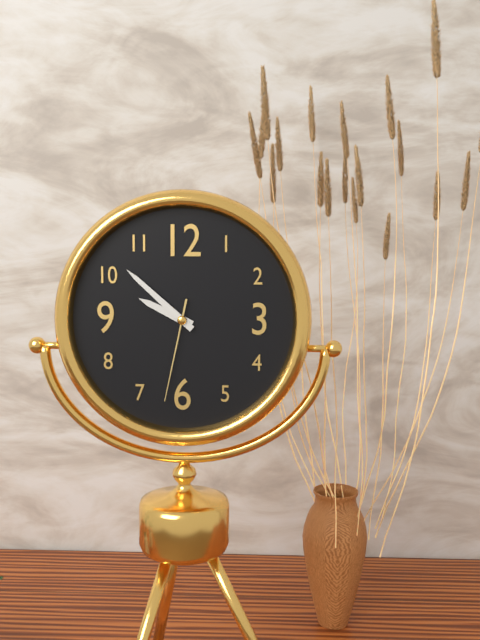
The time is 9,52,32
